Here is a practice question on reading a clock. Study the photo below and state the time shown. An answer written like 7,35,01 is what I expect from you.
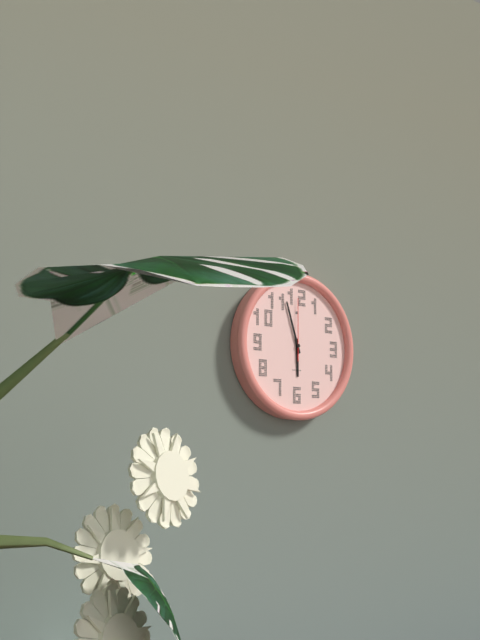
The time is 5,57,00
